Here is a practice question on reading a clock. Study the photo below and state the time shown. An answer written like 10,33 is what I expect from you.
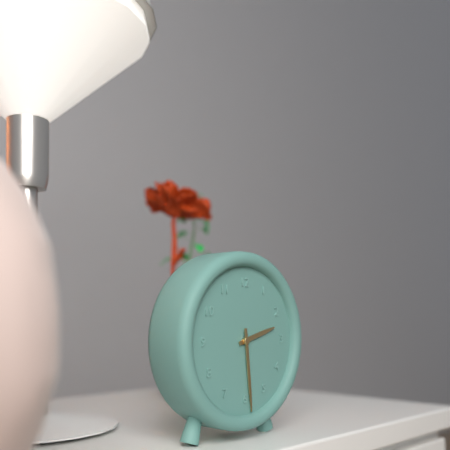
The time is 2,29
